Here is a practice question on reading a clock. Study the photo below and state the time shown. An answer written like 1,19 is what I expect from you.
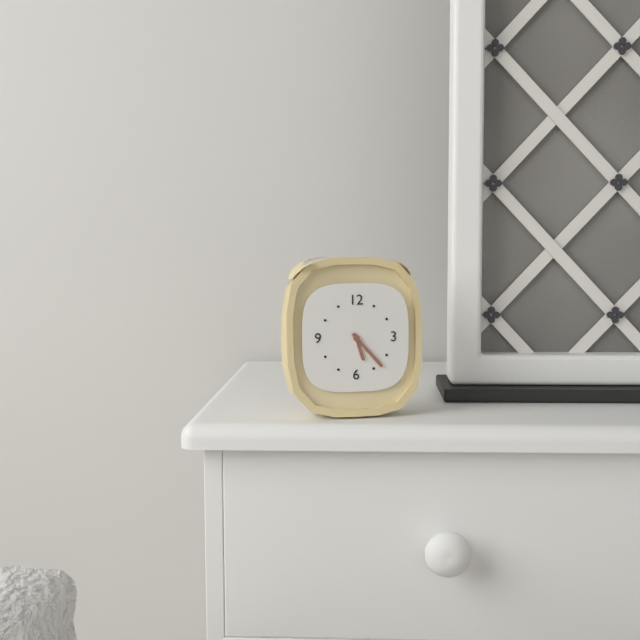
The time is 5,23
